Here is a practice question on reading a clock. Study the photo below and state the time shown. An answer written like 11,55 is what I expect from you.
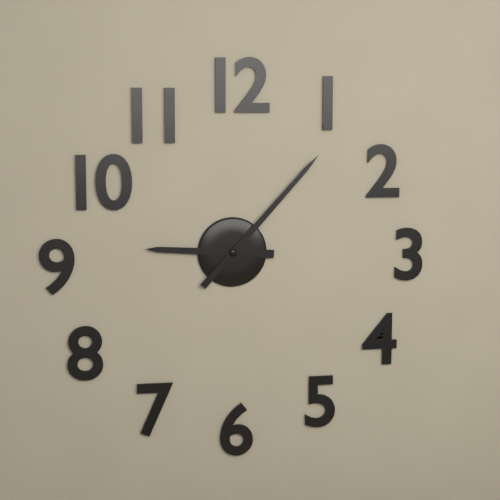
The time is 9,07
